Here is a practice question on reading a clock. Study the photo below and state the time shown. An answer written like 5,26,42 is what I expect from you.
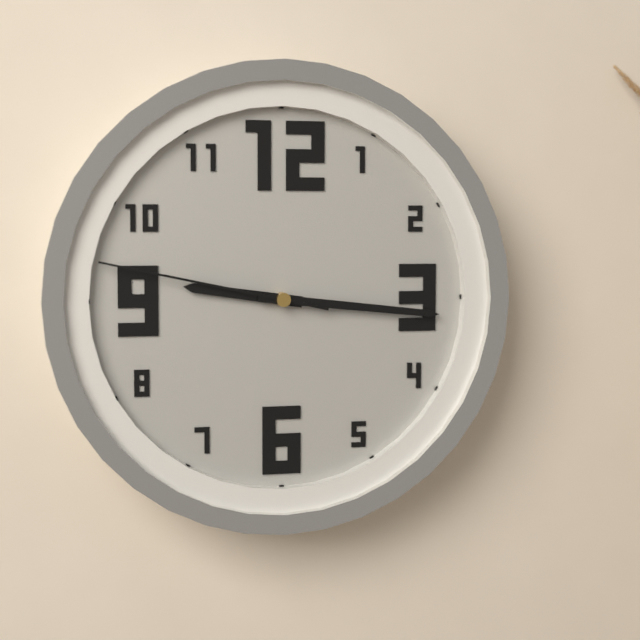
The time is 9,16,47
